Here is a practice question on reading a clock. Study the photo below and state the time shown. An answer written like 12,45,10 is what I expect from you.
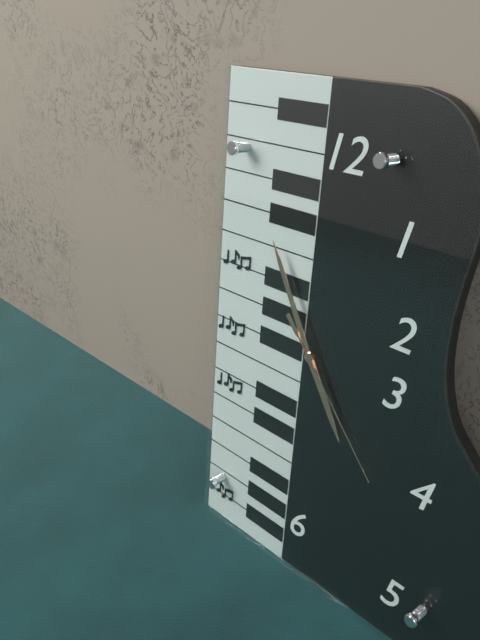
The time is 4,55,23
